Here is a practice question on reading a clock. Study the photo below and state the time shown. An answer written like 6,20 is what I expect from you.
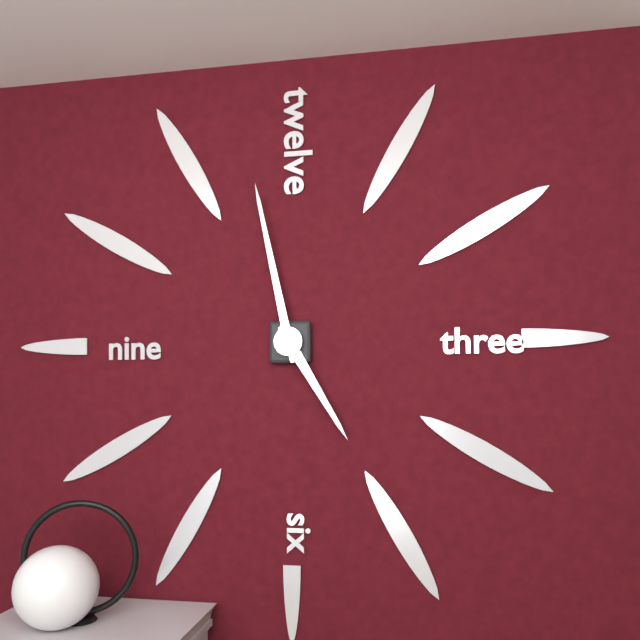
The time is 4,58
